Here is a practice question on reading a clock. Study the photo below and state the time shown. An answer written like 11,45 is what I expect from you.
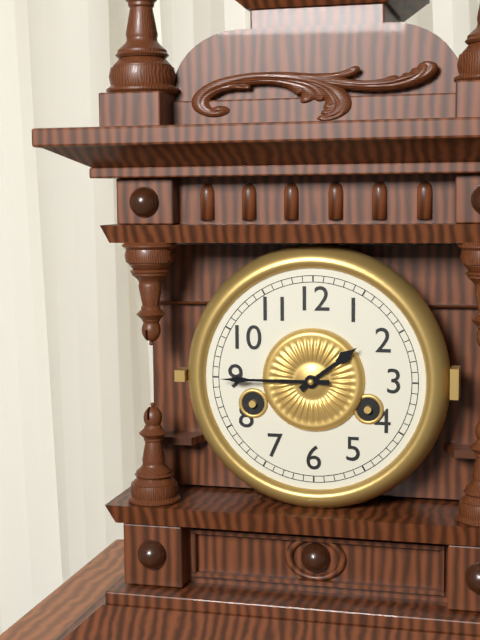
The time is 1,45
